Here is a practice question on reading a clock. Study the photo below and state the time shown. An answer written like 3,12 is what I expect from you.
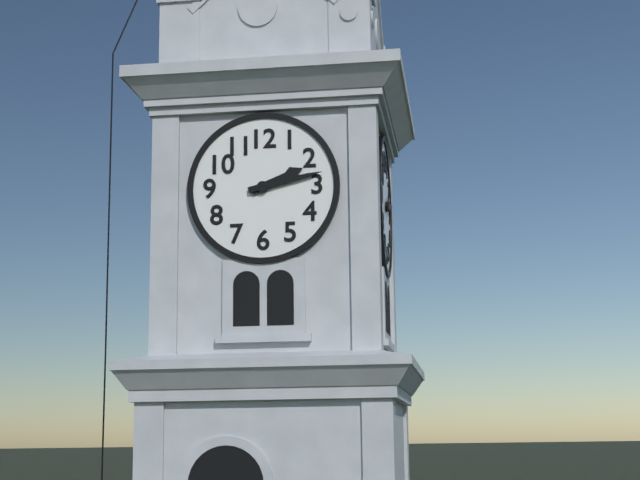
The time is 2,13
